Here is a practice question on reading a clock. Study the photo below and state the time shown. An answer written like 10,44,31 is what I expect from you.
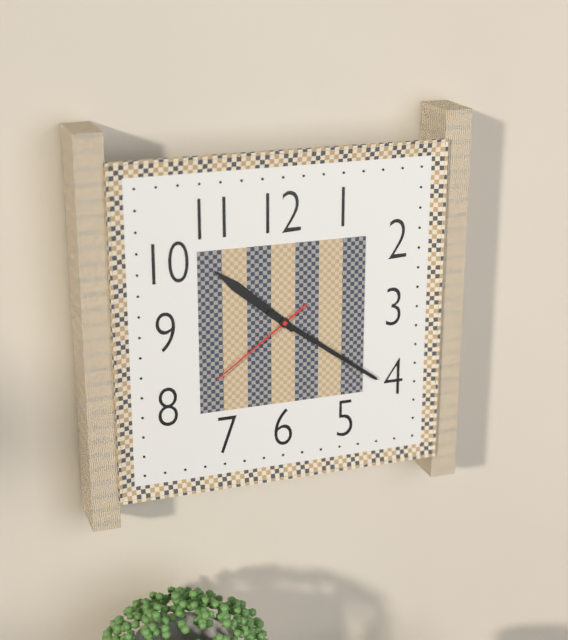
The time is 10,21,39
